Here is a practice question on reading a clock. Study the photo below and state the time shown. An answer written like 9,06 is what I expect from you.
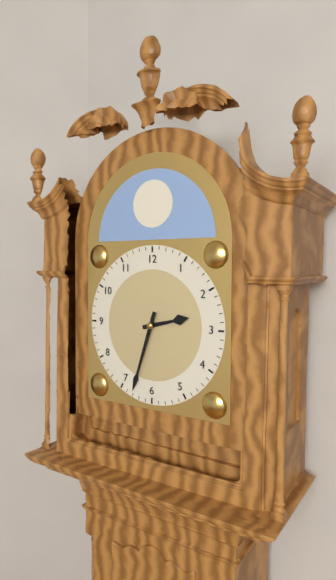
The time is 2,33
